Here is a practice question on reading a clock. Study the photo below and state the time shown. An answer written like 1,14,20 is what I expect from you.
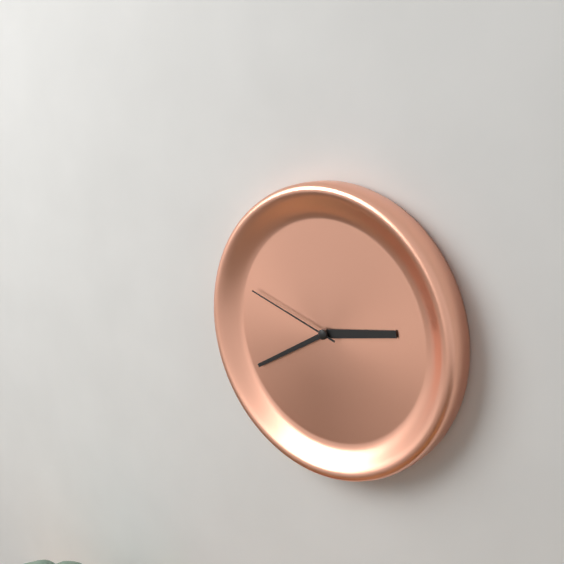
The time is 2,40,48
